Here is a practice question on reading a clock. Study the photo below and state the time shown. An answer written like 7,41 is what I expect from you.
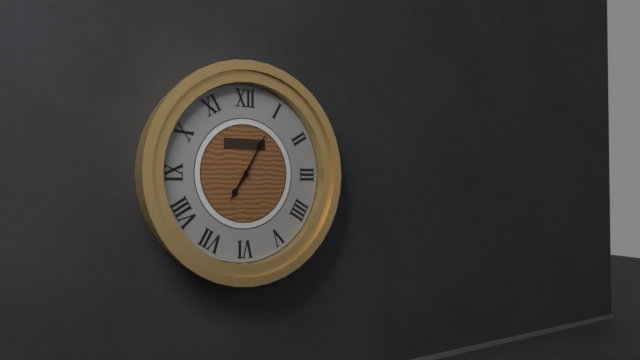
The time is 7,05
